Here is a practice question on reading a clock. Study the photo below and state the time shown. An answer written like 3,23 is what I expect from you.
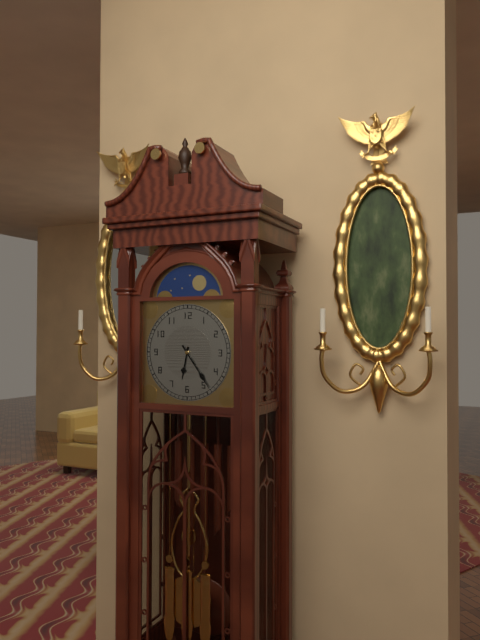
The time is 6,24
